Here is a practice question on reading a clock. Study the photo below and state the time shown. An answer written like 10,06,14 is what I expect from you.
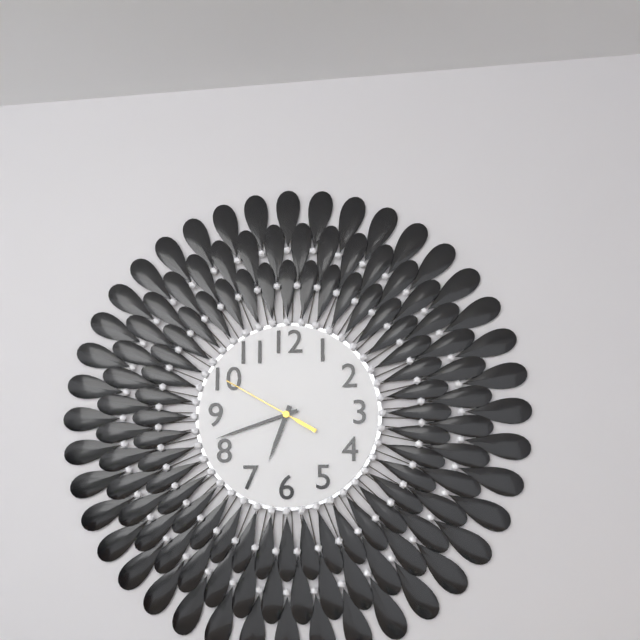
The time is 6,42,50
